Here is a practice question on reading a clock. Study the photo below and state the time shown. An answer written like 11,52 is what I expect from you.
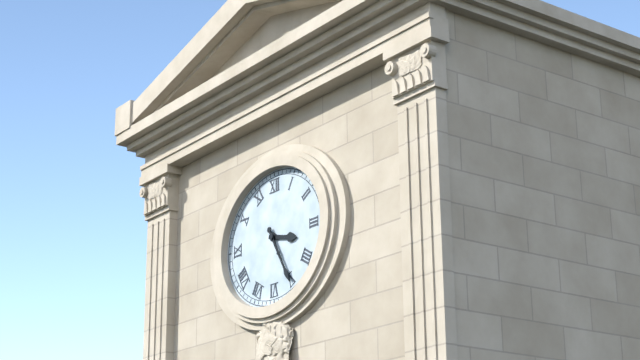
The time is 3,25
